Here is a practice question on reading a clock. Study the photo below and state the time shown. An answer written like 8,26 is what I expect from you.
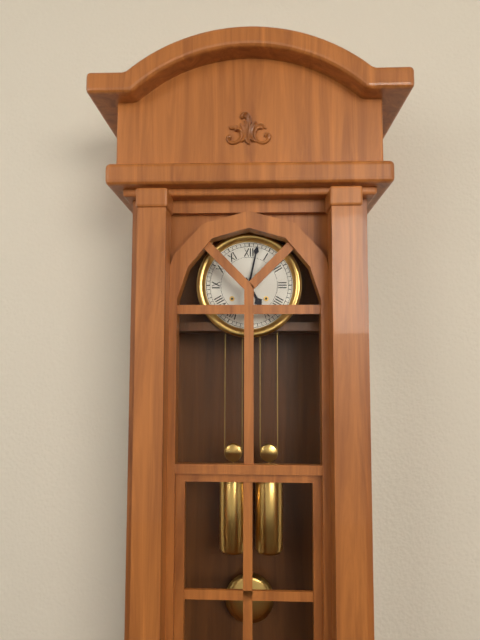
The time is 5,02
